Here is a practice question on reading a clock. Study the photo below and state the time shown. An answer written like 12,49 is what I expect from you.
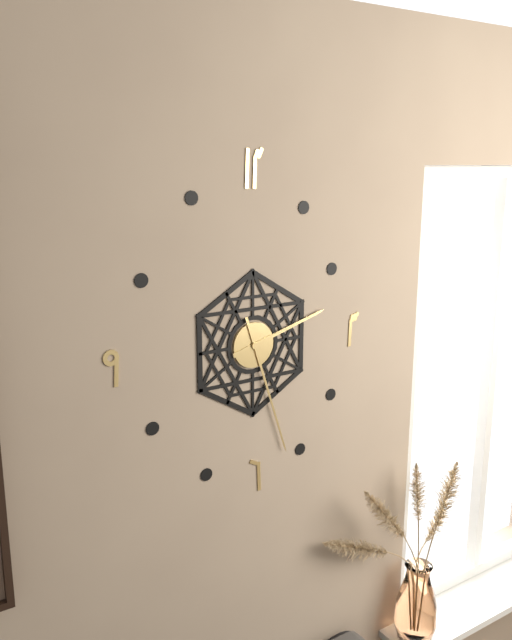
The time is 2,27
